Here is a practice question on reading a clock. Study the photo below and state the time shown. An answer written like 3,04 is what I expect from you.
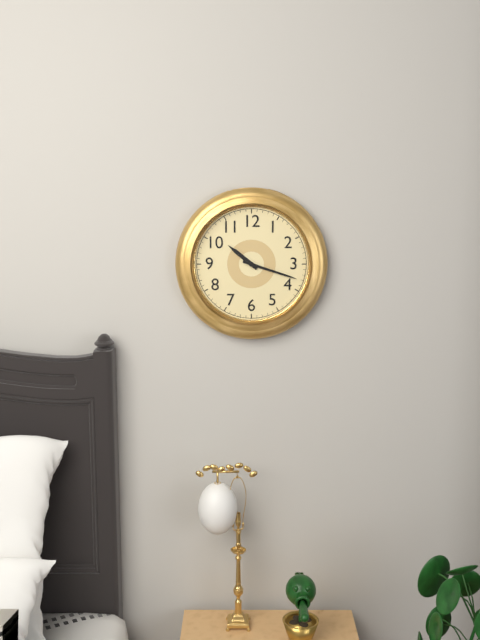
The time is 10,18
